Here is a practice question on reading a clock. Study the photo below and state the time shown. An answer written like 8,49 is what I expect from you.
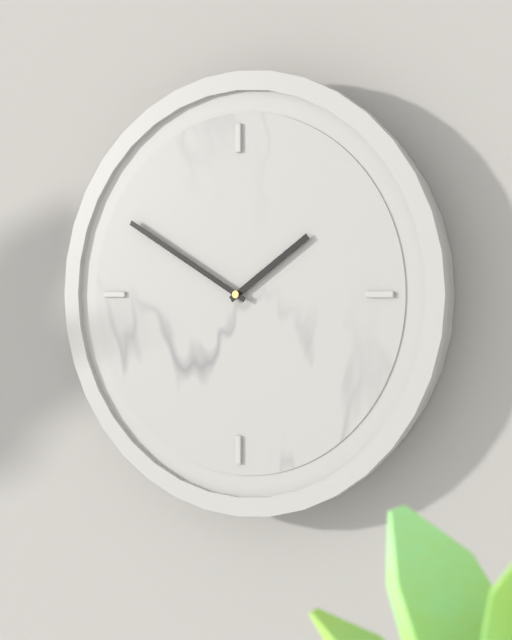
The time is 1,50
